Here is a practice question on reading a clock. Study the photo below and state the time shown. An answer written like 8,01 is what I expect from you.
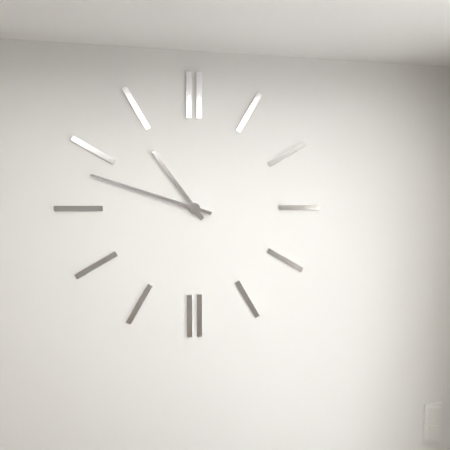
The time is 10,48
